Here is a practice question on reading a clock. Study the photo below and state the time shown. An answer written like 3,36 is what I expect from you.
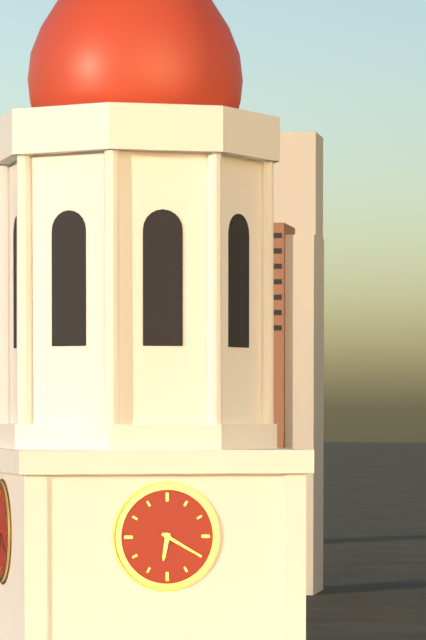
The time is 6,20
